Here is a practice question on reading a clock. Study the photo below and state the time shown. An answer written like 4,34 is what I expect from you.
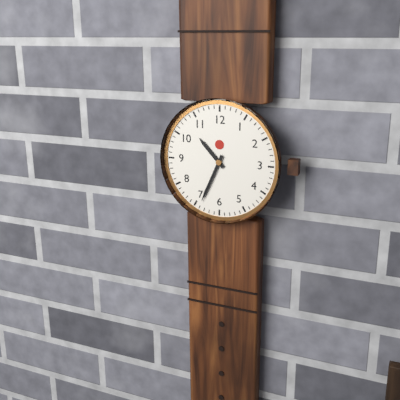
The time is 10,34
